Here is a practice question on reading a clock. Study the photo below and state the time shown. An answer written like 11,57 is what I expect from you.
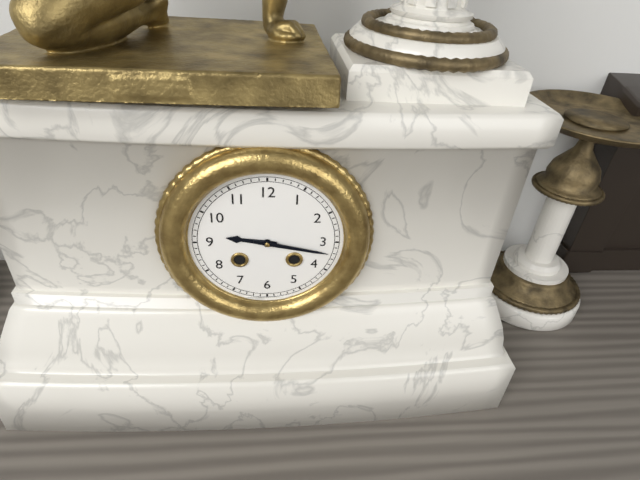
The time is 9,17
